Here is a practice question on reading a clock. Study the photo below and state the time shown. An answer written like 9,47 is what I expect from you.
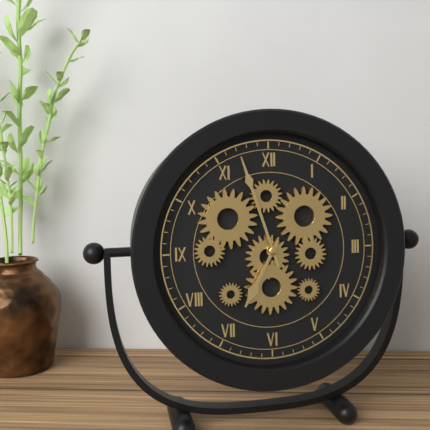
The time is 6,57
